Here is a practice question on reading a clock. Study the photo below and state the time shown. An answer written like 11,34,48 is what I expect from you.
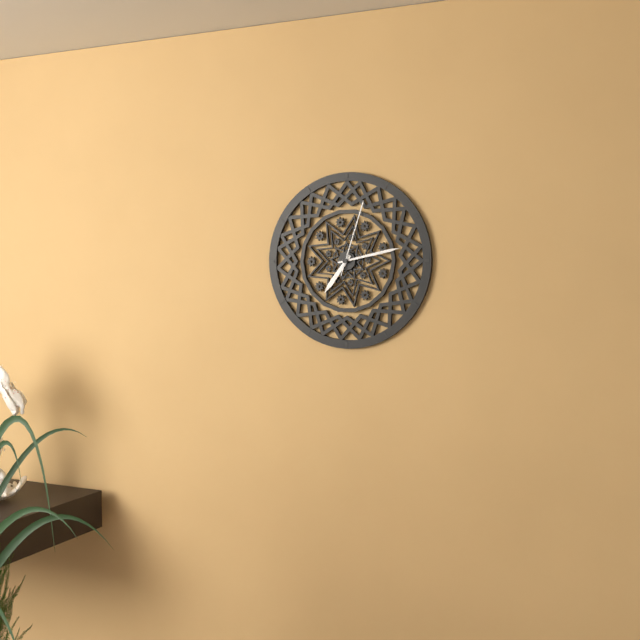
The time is 7,13,03
